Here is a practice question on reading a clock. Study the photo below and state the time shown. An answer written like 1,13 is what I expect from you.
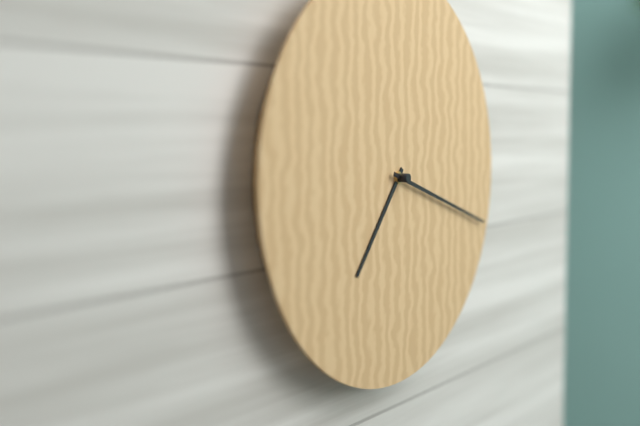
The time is 7,18
